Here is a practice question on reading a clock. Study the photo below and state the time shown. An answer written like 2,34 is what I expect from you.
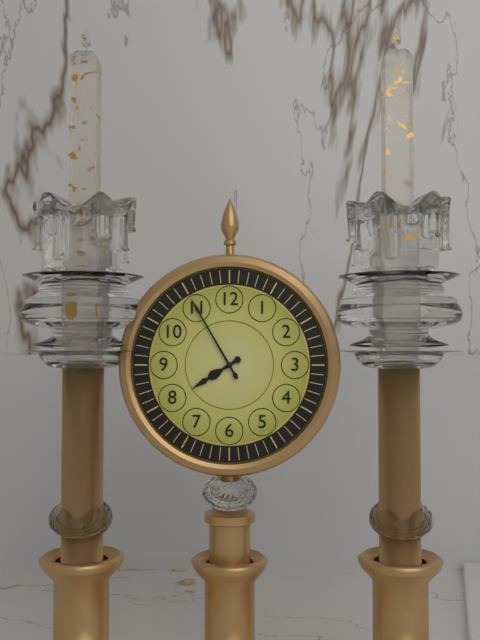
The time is 7,55
